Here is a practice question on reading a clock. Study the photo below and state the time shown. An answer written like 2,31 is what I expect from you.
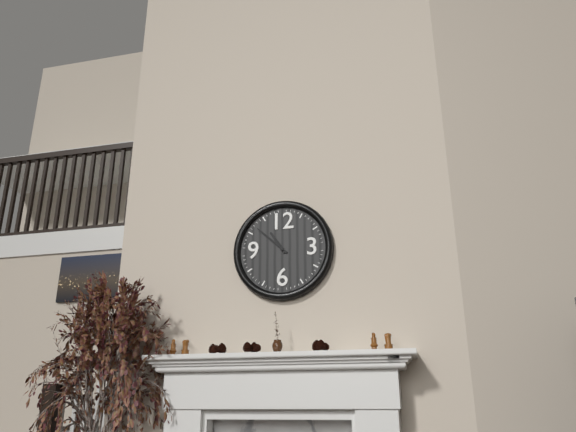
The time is 10,52
